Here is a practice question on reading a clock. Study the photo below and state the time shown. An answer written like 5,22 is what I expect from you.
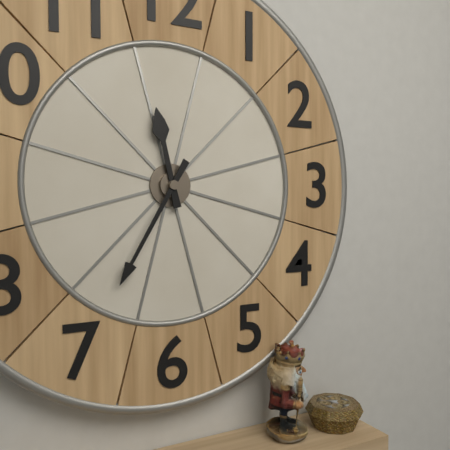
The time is 11,35
